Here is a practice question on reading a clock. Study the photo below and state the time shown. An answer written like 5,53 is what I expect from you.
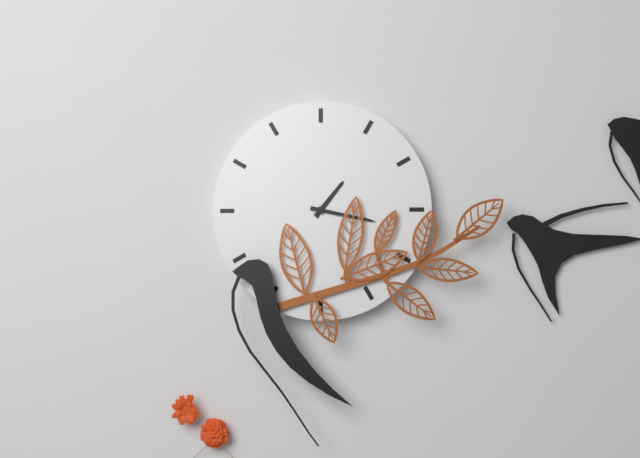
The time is 1,17
